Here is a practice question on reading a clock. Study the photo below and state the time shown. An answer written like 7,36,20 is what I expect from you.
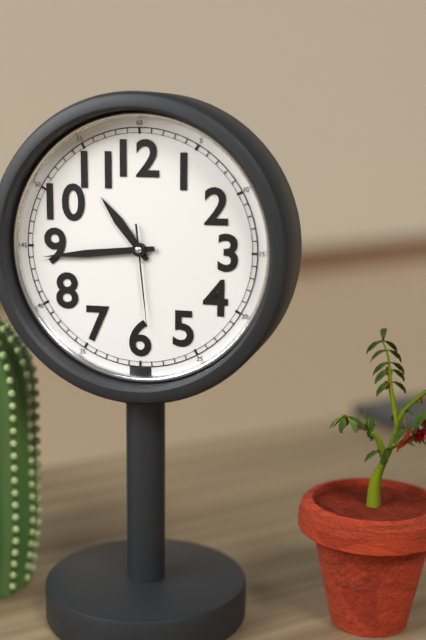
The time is 10,44,29
